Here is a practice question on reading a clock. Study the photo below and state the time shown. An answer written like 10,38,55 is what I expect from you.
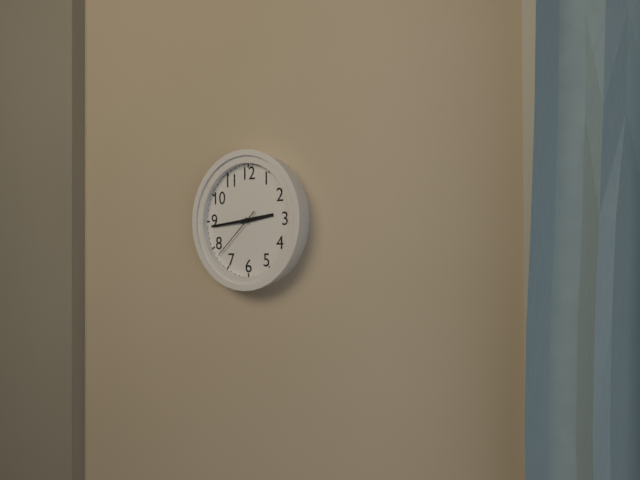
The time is 2,44,38
